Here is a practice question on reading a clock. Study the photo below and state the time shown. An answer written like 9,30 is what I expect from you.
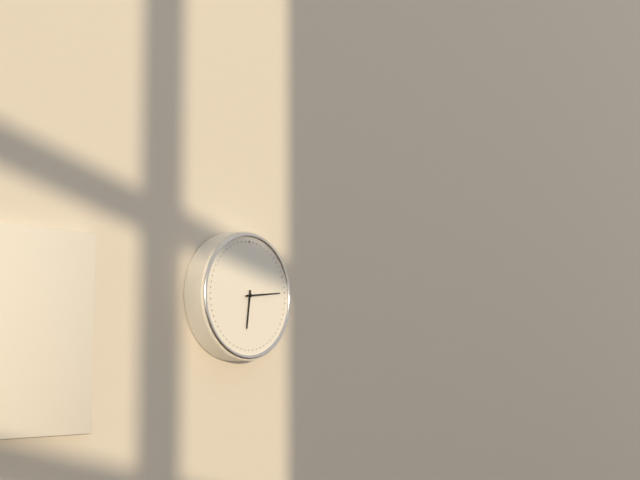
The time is 6,14
